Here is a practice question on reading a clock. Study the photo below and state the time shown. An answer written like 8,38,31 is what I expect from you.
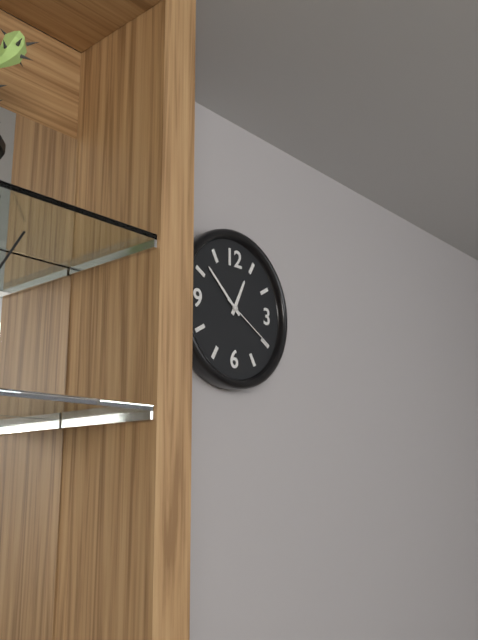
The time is 12,52,20
